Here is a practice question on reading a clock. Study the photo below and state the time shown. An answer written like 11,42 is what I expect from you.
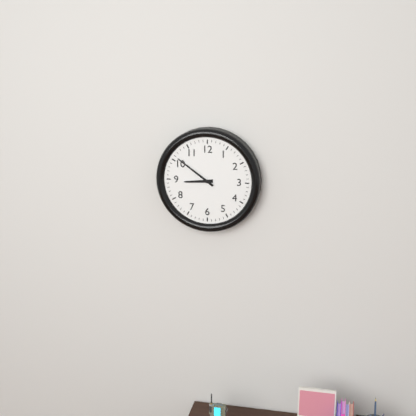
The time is 8,51
